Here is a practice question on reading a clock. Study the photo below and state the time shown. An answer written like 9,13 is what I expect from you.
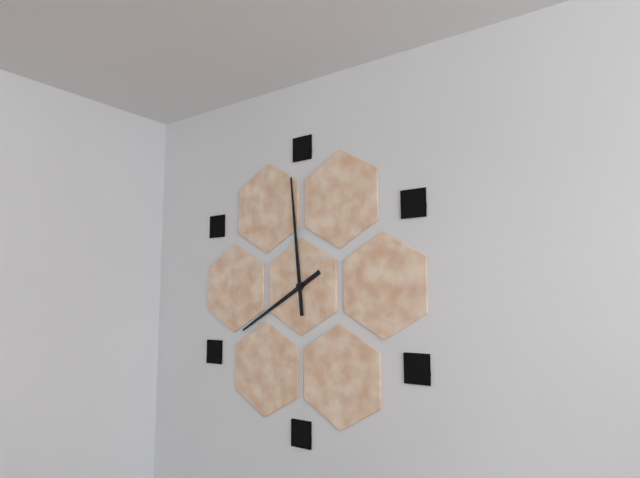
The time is 7,59
